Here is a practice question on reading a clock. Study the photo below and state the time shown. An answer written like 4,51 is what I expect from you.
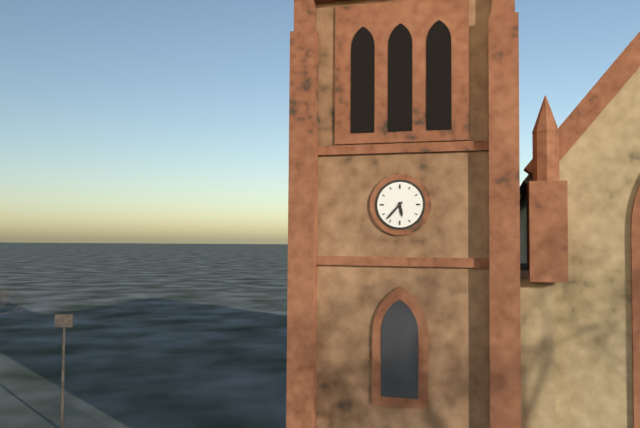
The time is 5,37
